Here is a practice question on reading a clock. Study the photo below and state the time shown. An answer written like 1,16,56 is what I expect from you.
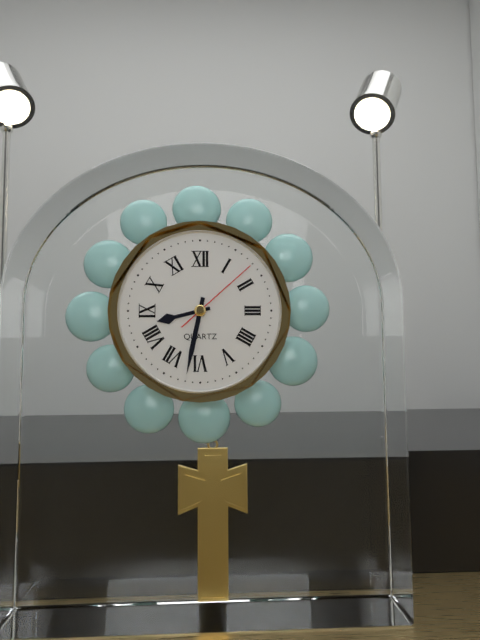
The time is 8,32,08
